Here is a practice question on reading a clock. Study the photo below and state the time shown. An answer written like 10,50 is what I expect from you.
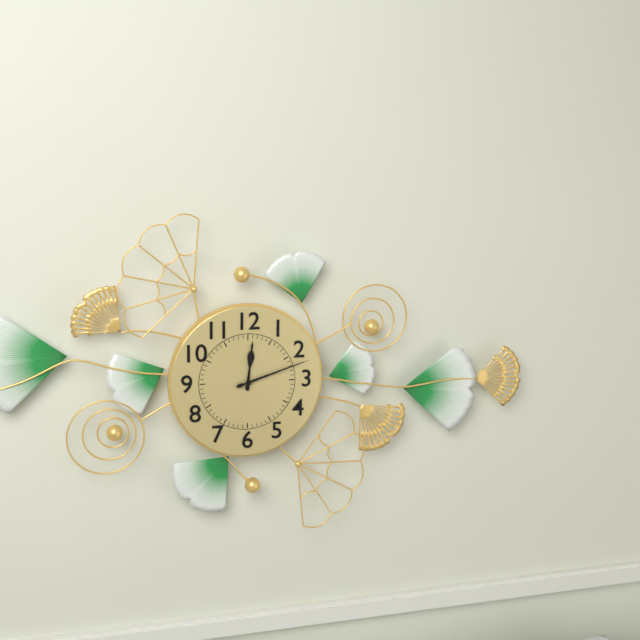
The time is 12,12
